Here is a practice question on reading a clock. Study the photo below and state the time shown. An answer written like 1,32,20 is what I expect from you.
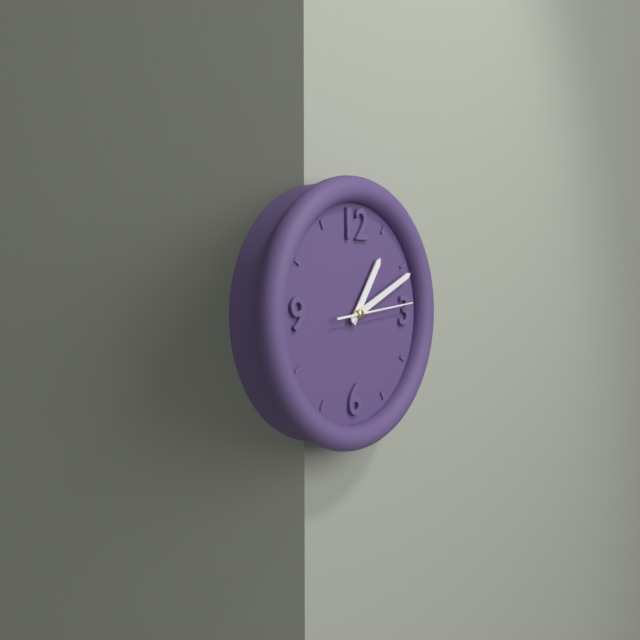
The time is 1,11,14
